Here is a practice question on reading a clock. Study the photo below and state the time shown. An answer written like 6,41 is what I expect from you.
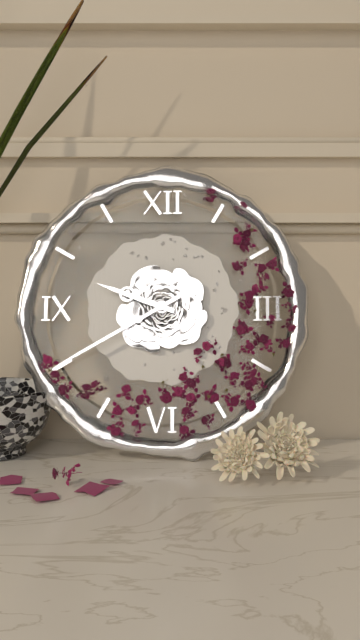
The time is 9,40
